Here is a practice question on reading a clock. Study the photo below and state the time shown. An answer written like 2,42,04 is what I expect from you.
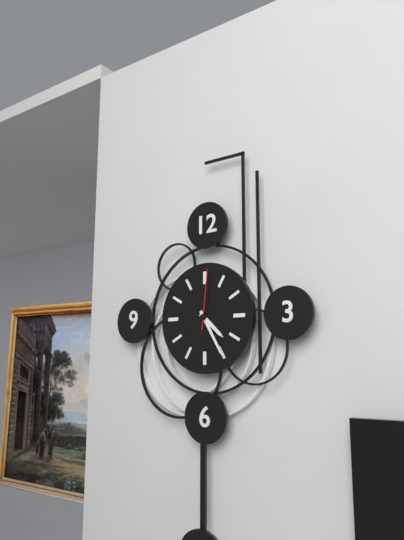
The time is 4,25,01
